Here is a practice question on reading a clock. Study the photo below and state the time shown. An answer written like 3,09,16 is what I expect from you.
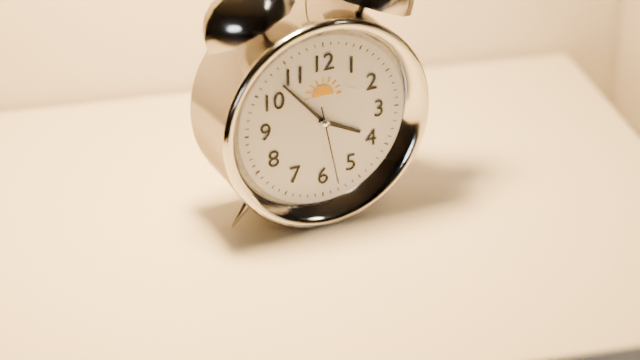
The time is 3,53,28
